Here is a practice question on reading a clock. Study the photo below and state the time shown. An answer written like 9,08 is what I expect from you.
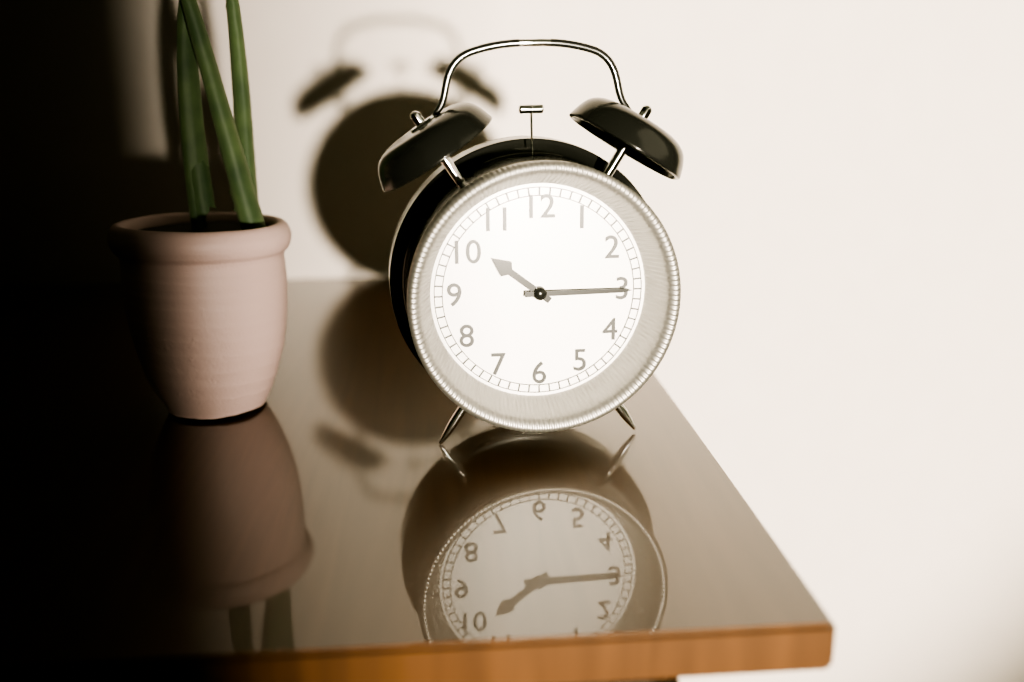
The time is 10,15
